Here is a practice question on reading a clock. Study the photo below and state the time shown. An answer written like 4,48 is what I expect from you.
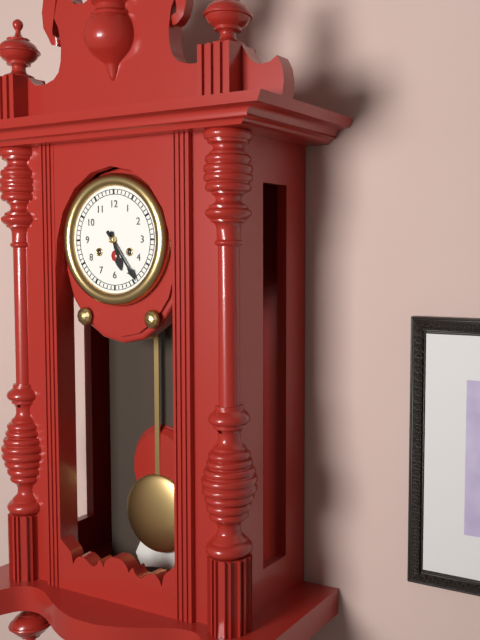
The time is 5,24
